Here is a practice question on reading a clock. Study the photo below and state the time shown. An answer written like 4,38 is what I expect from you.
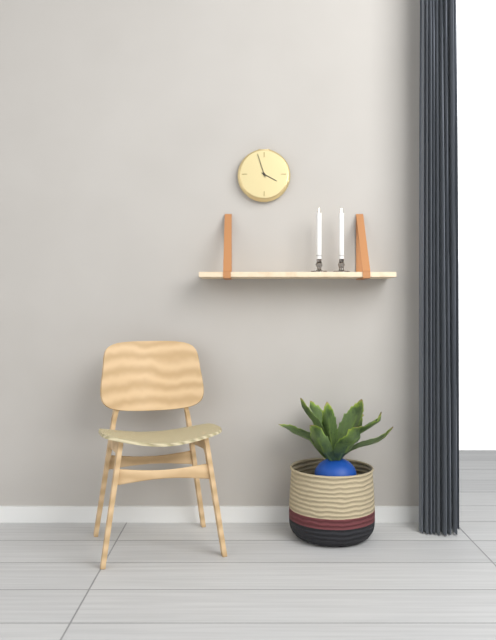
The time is 3,57
